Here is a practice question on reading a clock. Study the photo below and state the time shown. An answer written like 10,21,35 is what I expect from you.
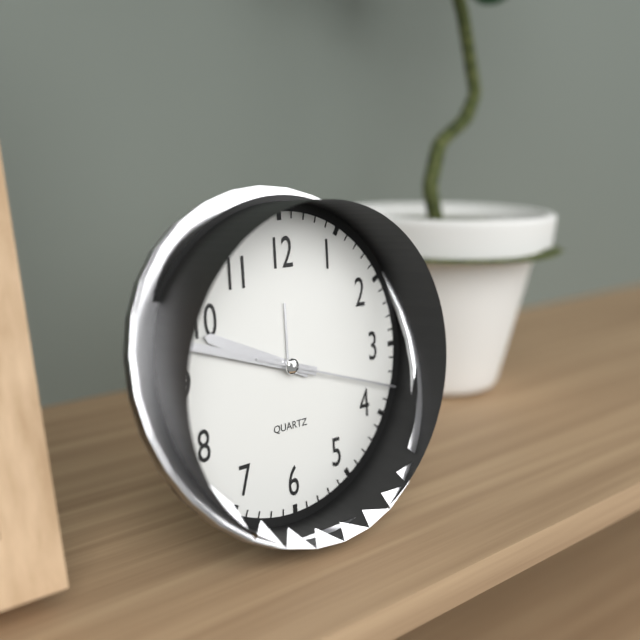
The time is 9,48,18
